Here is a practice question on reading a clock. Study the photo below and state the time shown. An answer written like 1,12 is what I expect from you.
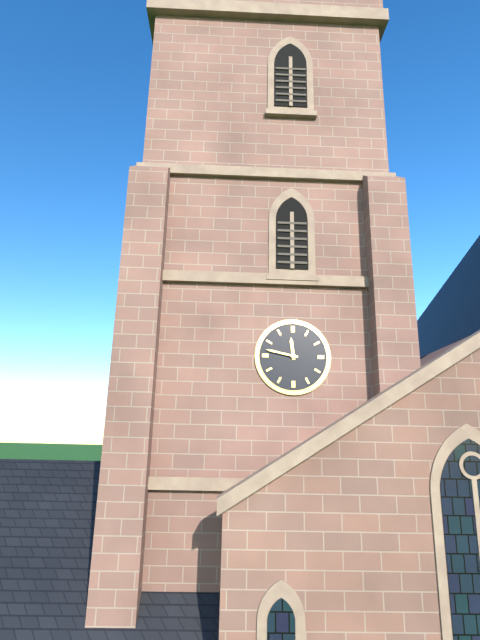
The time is 11,47
